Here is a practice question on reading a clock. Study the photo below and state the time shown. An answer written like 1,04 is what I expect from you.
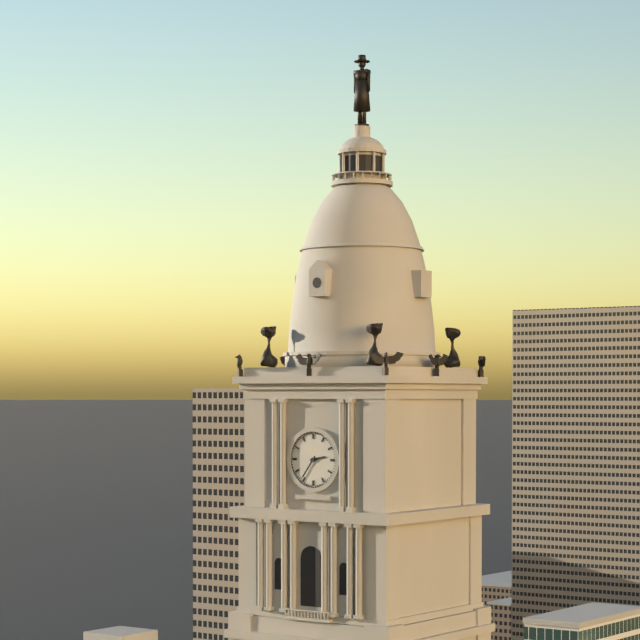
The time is 2,36
